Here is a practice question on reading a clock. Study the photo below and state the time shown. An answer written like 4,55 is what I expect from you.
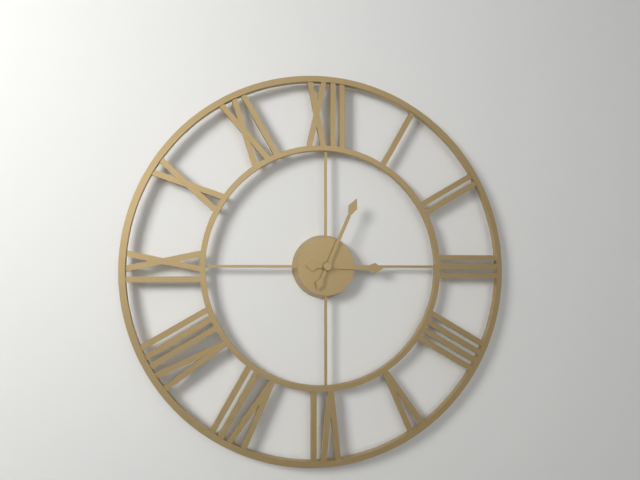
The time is 3,04
